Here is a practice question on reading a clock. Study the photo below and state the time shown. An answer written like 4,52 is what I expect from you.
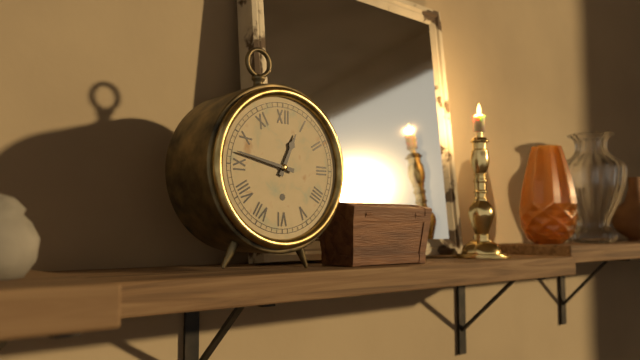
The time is 12,47
